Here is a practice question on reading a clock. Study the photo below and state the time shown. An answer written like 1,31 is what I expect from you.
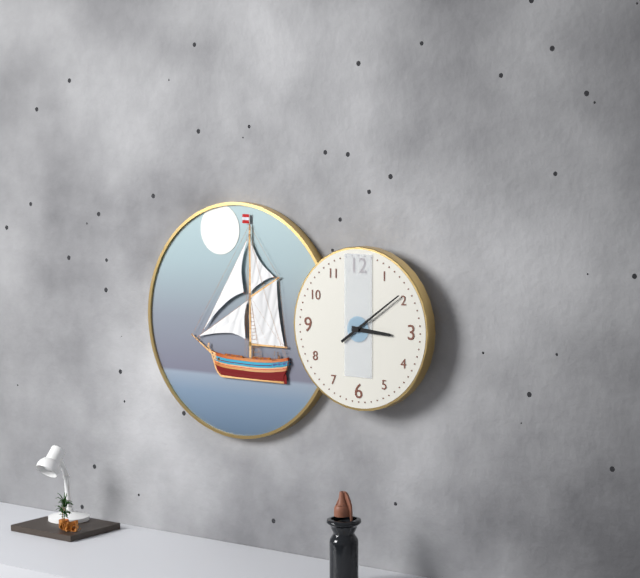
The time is 3,09
